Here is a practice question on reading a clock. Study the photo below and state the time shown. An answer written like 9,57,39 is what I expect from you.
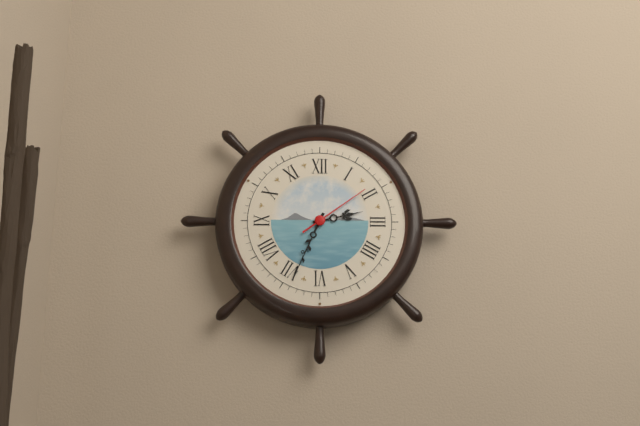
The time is 2,34,09
